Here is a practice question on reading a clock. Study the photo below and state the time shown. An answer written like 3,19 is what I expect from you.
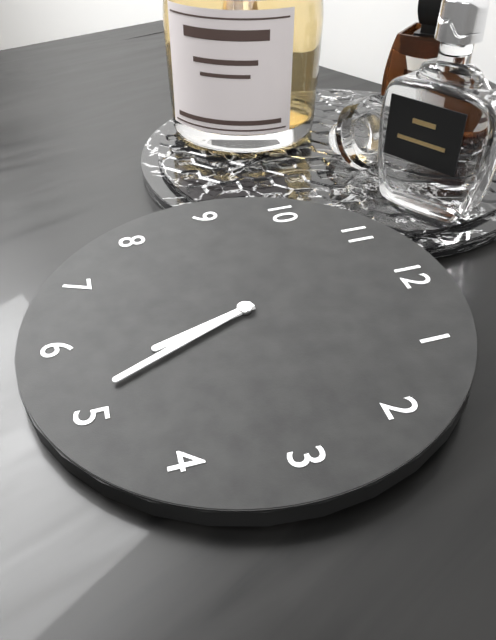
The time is 5,26
